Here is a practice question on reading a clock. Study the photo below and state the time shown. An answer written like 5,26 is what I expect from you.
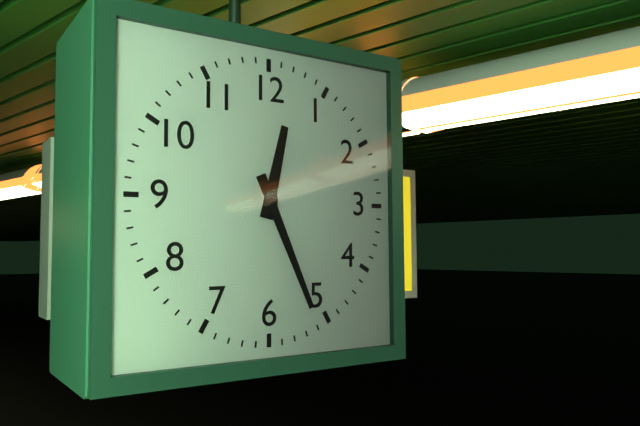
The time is 12,26
